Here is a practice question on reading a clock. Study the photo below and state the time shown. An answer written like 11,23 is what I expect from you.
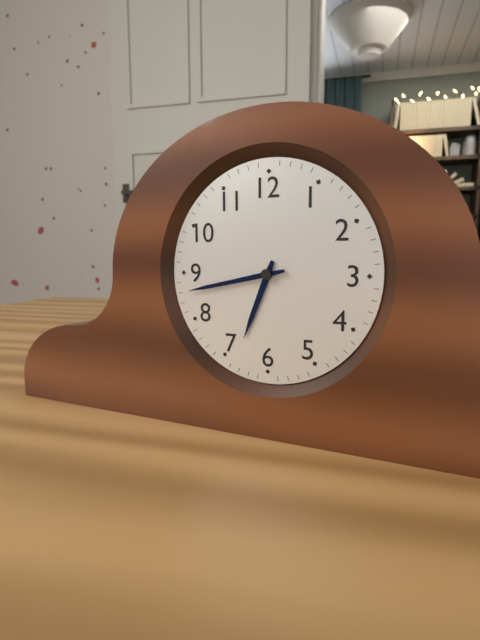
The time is 6,43
